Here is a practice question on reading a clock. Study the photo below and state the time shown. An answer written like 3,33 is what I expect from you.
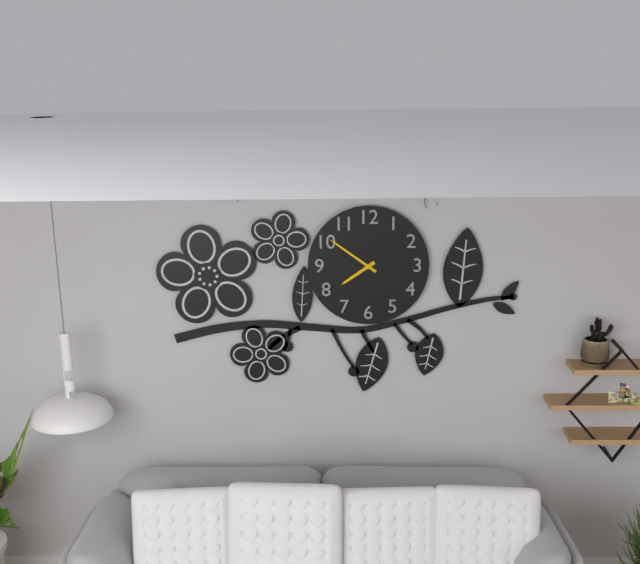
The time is 7,51
